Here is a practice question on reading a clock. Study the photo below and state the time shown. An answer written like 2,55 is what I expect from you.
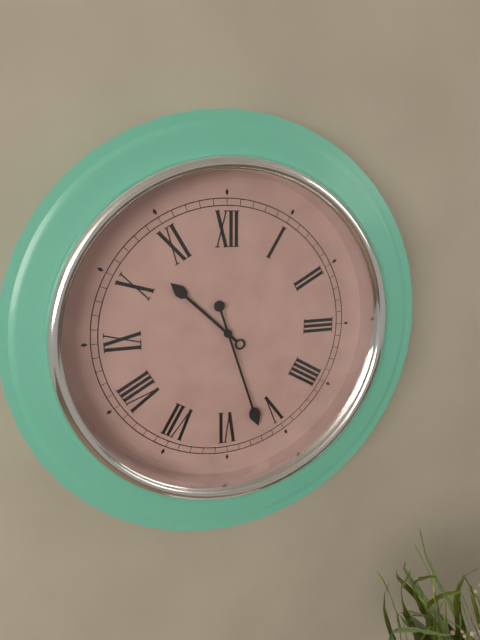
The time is 10,27
